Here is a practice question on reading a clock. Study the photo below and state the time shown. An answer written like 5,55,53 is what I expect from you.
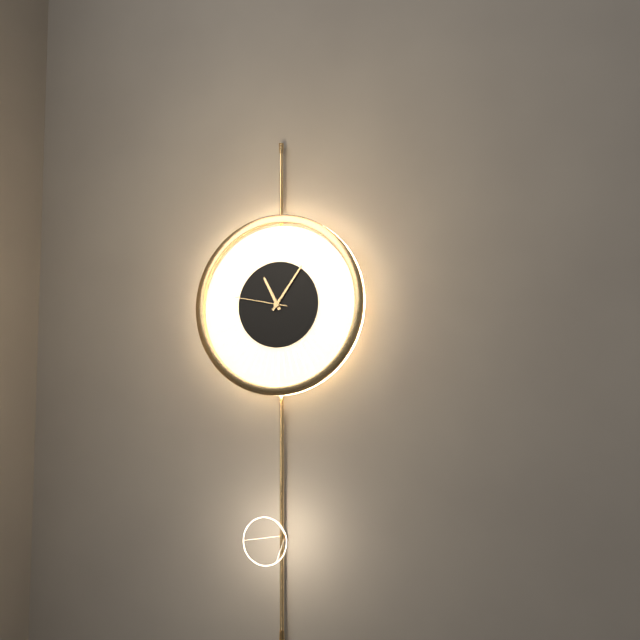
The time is 11,06,47
